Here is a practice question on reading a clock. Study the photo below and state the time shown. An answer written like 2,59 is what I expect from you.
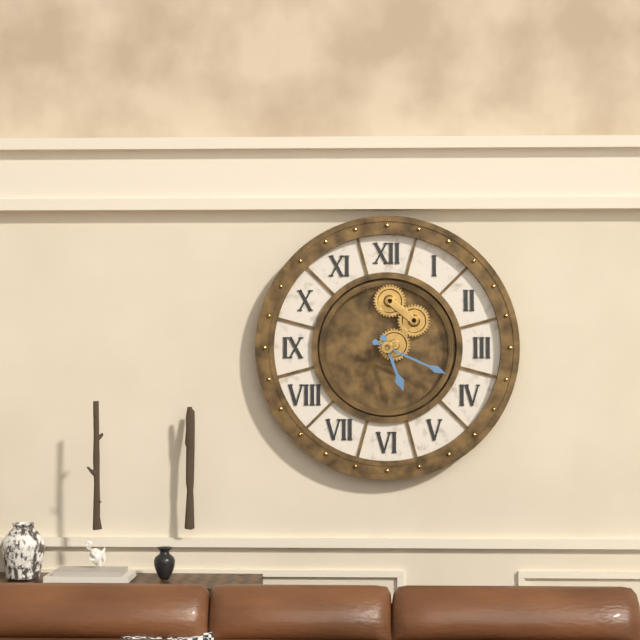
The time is 5,19
